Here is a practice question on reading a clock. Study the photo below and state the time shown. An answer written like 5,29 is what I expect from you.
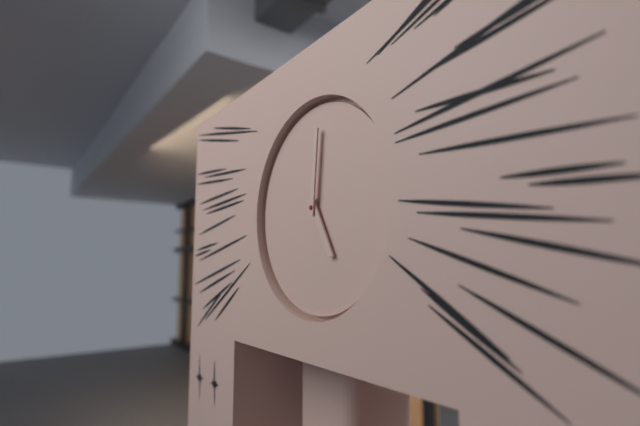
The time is 5,01
